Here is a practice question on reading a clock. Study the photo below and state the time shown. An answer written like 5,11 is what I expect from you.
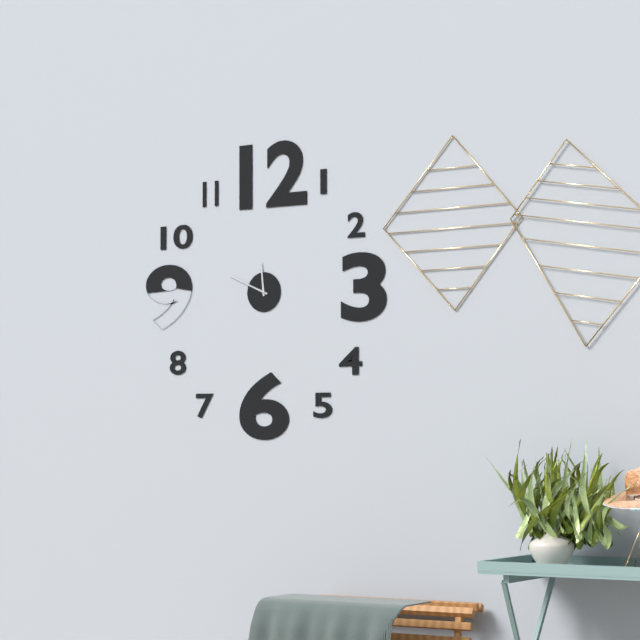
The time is 11,49
